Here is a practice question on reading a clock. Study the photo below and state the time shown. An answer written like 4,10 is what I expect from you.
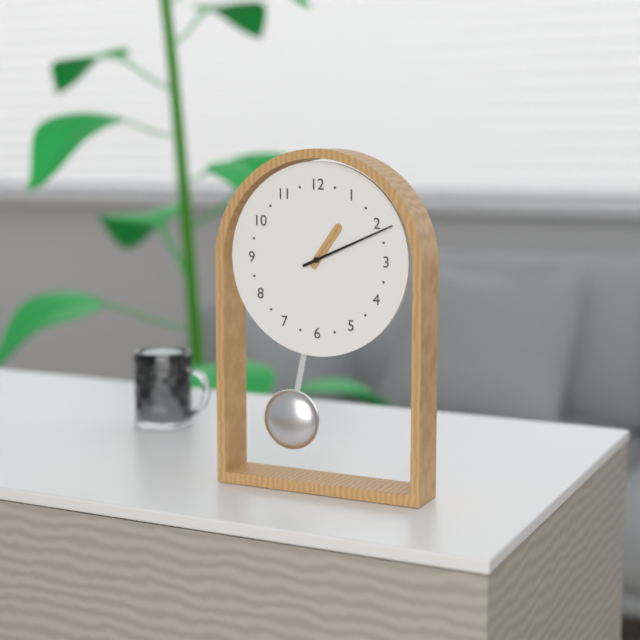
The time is 1,11
